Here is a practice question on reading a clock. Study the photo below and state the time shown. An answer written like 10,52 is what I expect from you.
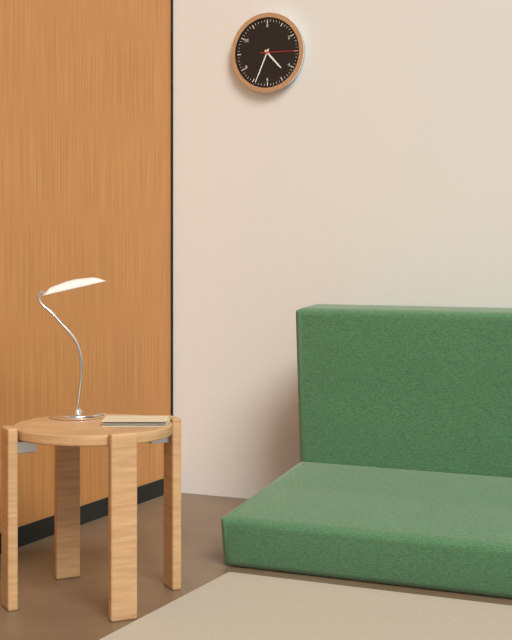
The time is 4,34
